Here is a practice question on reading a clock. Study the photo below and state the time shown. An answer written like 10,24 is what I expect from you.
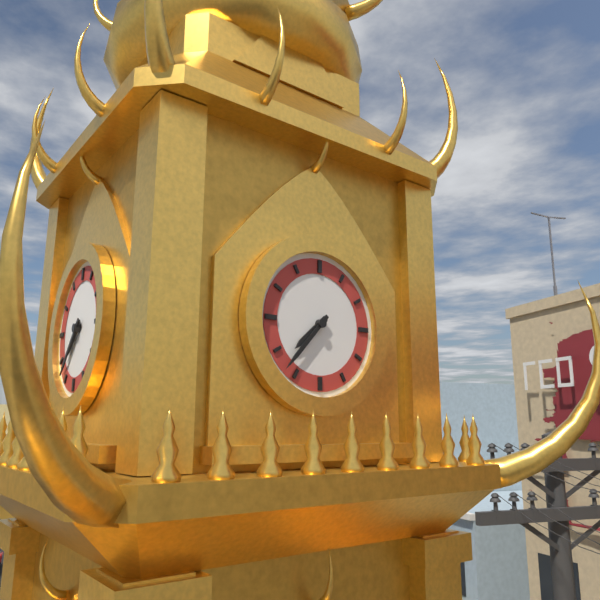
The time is 7,37
